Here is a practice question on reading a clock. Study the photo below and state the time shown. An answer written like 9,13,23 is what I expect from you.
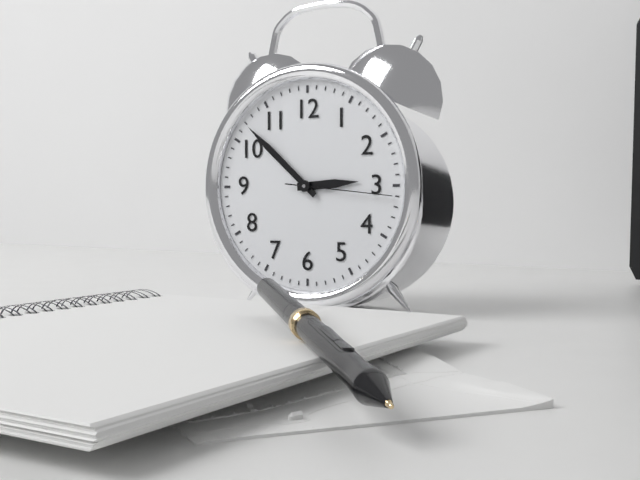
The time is 2,52,16
